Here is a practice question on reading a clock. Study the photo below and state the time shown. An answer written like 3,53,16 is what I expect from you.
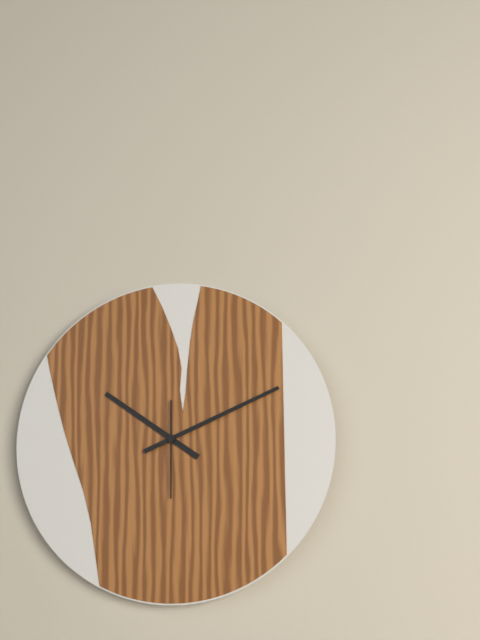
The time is 10,11,30
